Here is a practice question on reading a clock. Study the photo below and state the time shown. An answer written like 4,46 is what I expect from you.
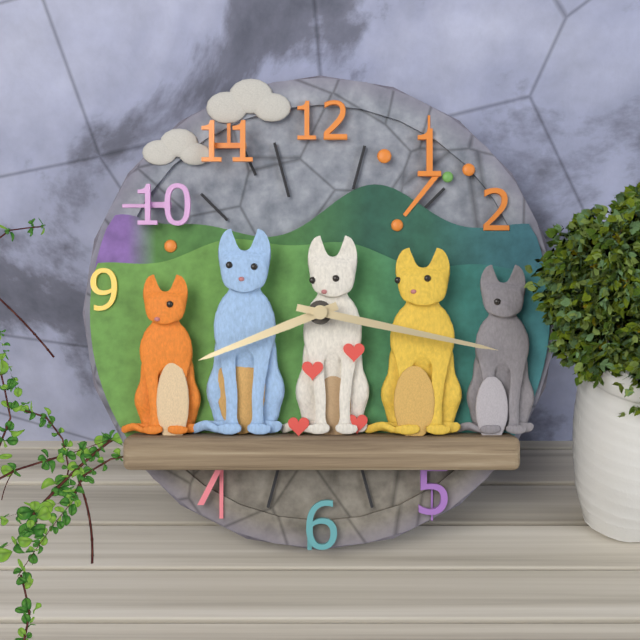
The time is 8,17
